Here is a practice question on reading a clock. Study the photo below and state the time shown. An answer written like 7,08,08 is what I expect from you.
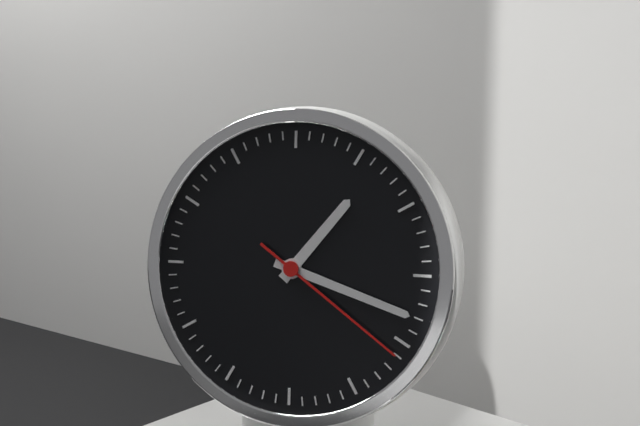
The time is 1,18,21
